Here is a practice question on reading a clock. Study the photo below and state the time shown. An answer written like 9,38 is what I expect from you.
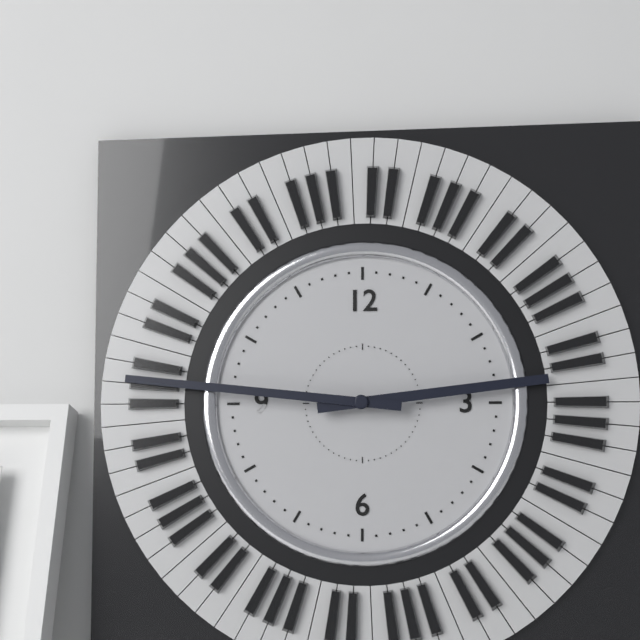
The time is 2,46
